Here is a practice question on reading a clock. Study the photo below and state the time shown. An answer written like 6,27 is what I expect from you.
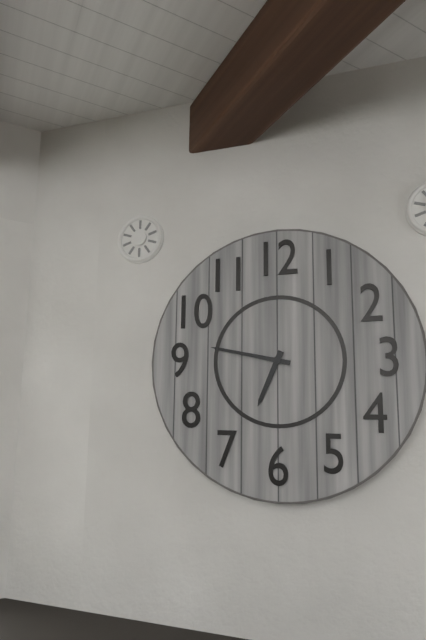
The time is 6,47
